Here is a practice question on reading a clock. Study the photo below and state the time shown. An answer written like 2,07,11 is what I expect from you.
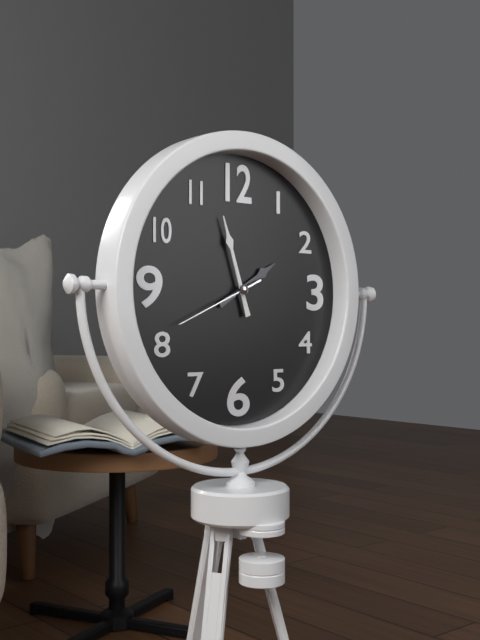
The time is 1,57,41
